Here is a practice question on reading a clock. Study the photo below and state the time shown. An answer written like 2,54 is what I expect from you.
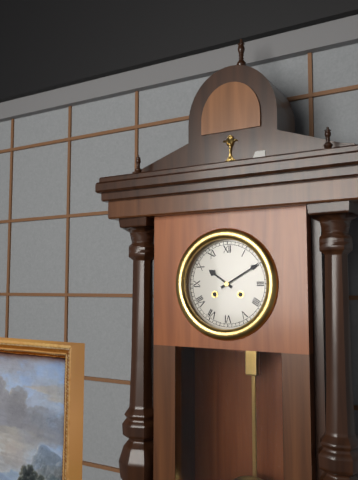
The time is 10,10
